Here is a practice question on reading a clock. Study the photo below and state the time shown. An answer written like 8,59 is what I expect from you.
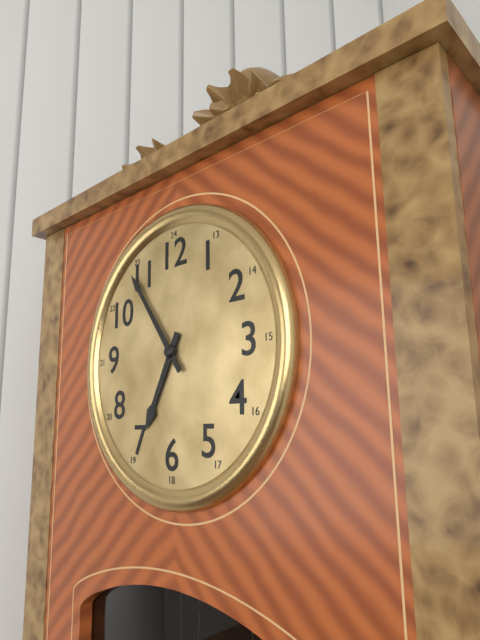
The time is 6,54
